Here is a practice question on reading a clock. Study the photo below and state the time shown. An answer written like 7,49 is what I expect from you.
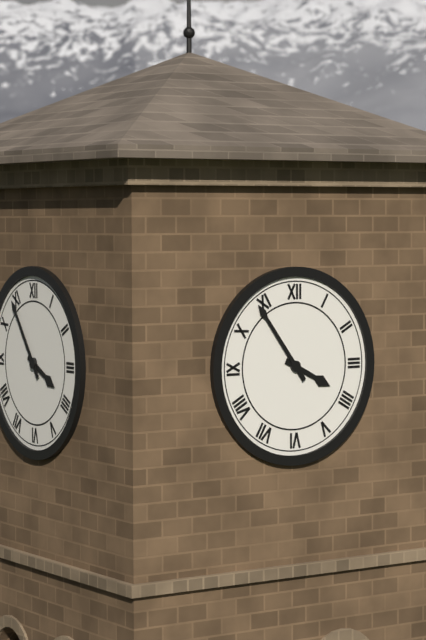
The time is 3,54
